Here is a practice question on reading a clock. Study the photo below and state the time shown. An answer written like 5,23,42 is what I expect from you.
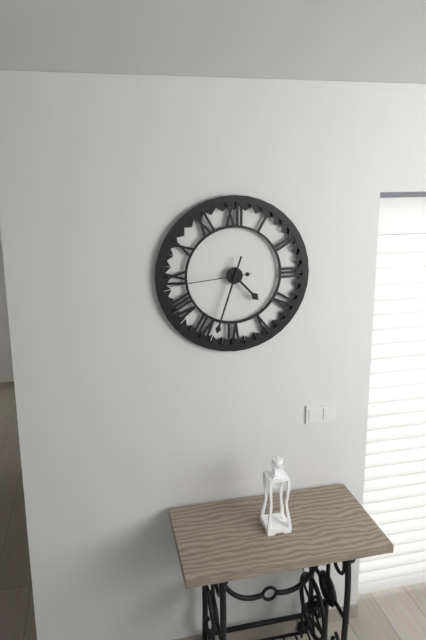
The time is 4,33,44
